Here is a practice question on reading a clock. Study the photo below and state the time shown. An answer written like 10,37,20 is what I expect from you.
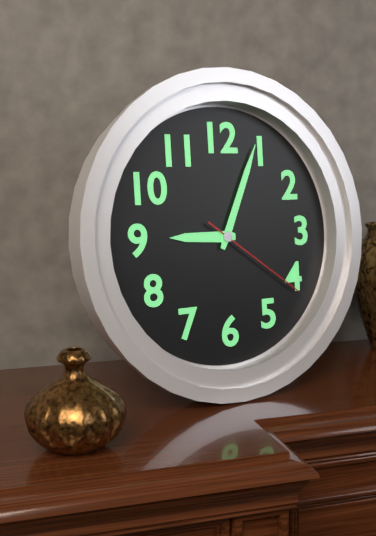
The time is 9,04,21
